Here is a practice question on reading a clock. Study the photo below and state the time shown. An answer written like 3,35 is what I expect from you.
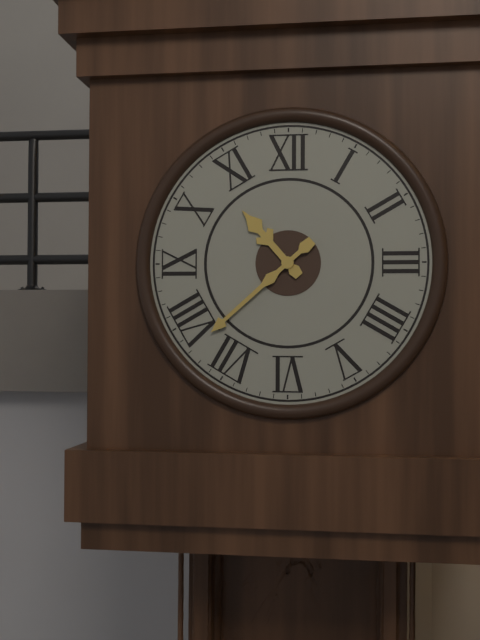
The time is 10,38
